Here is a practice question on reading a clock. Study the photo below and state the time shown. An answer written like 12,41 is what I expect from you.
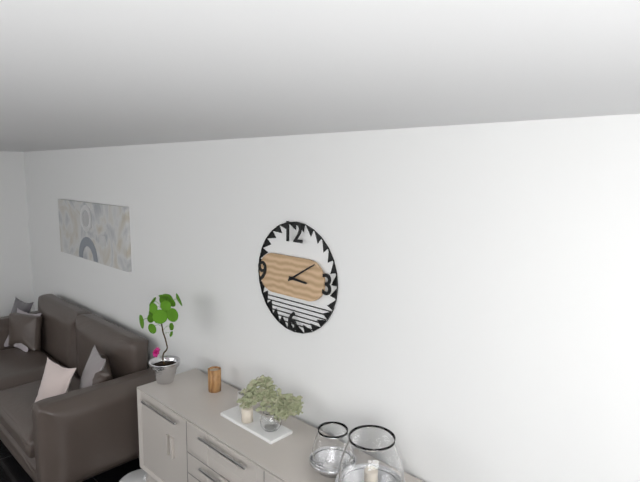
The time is 3,10
